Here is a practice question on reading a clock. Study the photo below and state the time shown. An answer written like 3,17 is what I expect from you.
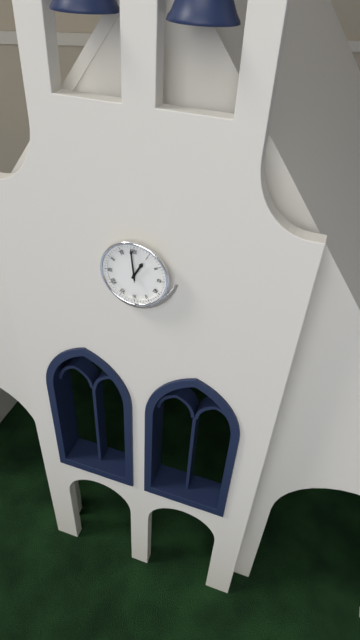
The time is 12,59
